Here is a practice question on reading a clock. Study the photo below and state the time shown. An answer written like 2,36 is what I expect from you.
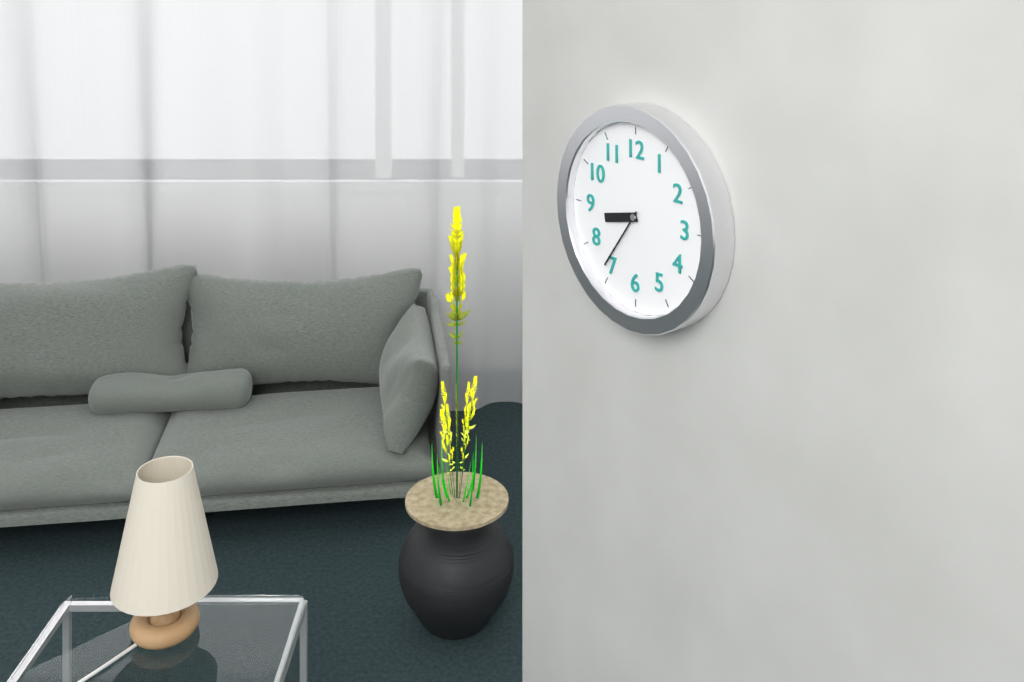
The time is 8,36
